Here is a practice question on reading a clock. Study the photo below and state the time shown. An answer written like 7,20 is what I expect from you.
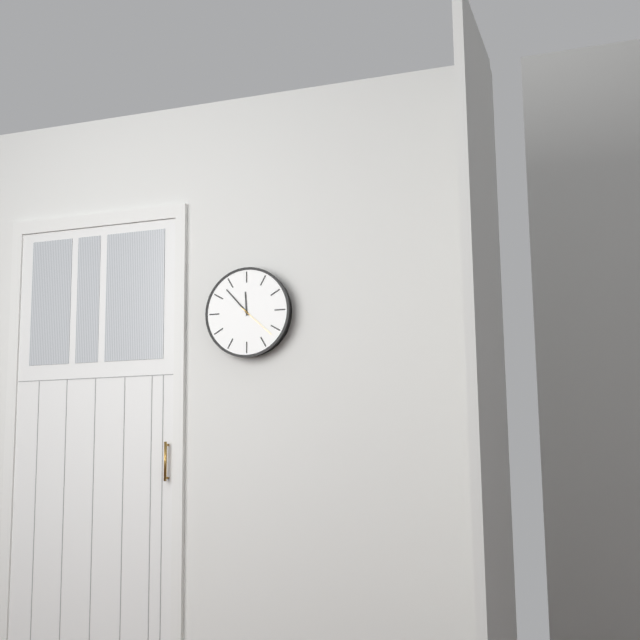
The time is 11,53
